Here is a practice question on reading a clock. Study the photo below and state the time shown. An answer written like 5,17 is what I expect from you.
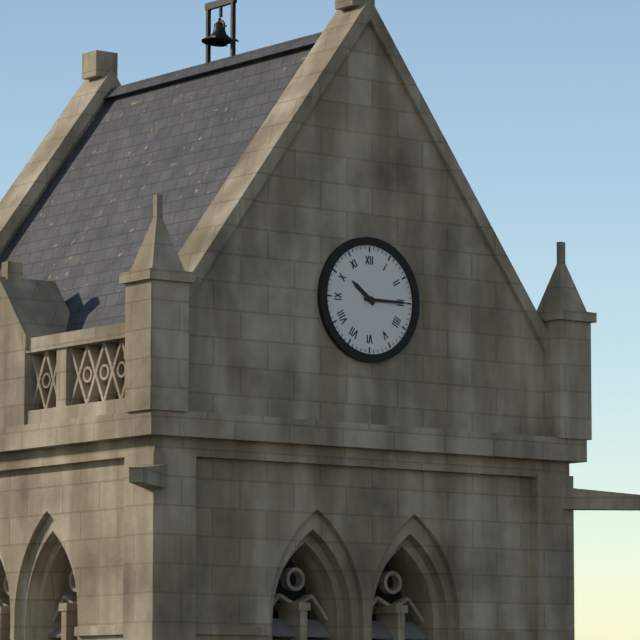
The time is 10,15
